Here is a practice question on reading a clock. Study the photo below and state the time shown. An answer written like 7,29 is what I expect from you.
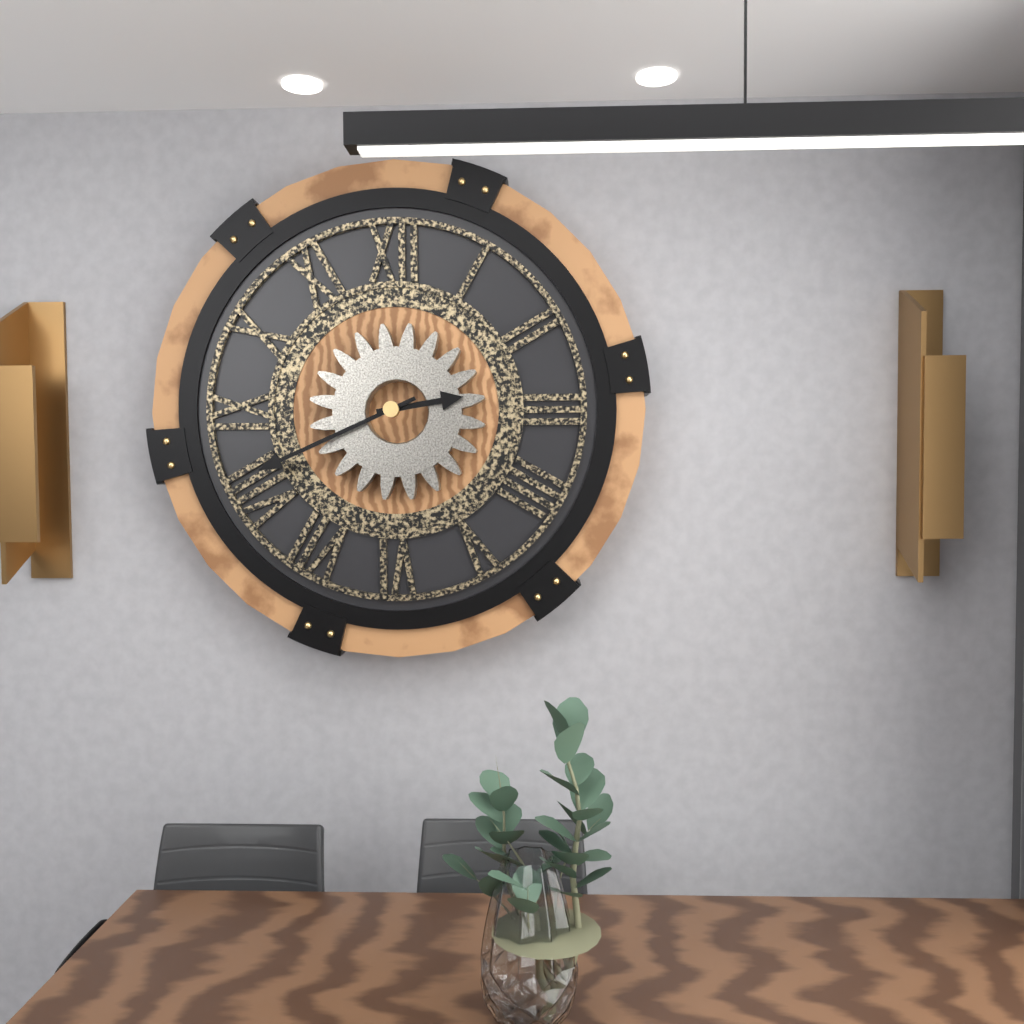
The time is 2,41
